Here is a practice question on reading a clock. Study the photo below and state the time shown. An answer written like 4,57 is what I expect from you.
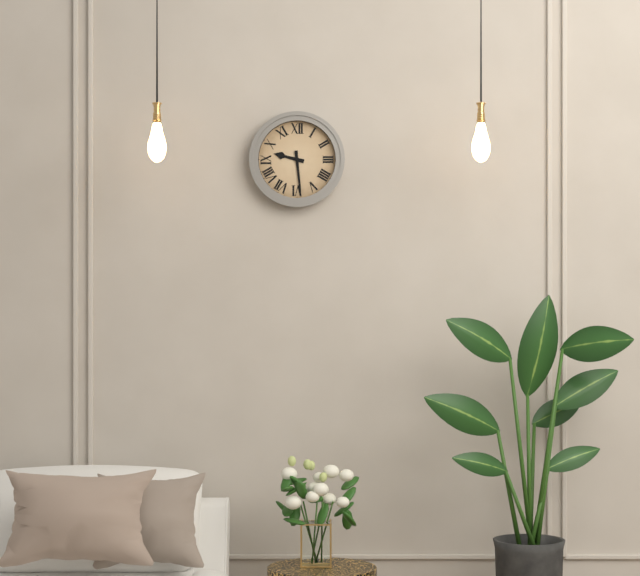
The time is 9,29
